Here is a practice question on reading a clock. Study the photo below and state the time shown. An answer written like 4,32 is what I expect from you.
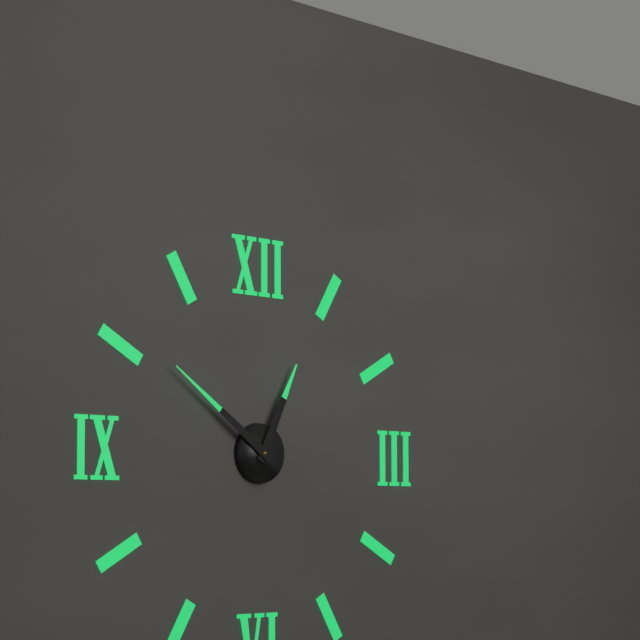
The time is 12,51
